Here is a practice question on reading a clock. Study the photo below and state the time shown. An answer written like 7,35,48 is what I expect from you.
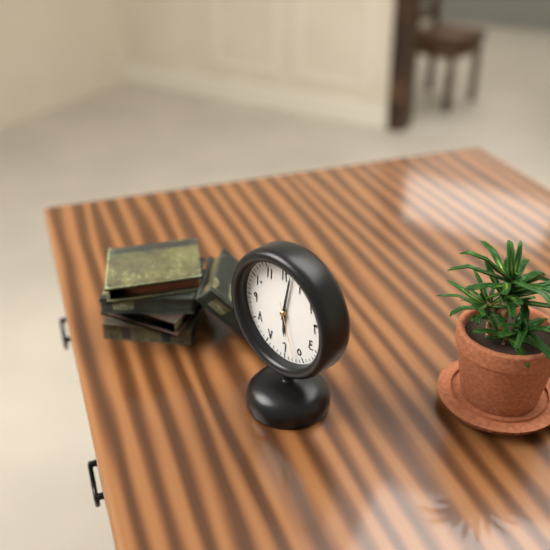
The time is 6,02,27
